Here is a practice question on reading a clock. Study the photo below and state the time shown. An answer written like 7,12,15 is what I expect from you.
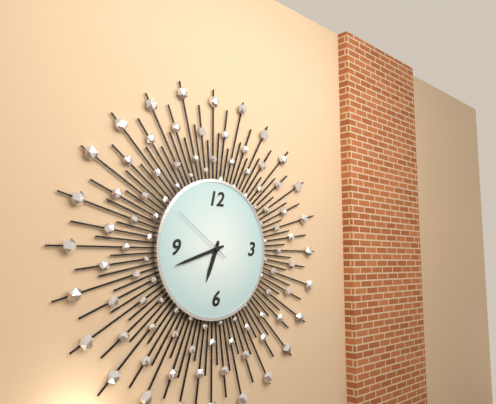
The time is 6,42,51
